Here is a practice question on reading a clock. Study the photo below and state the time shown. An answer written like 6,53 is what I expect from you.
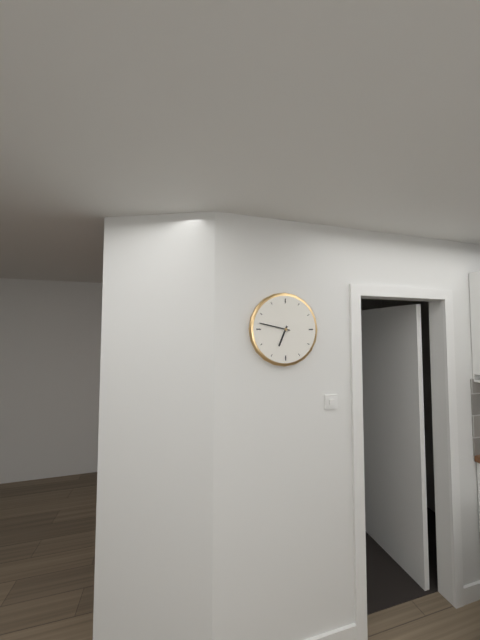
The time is 6,47
